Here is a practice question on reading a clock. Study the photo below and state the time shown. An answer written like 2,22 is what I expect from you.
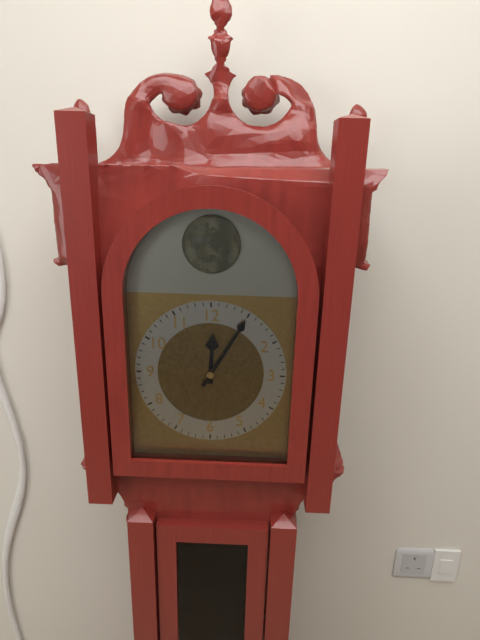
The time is 12,05
